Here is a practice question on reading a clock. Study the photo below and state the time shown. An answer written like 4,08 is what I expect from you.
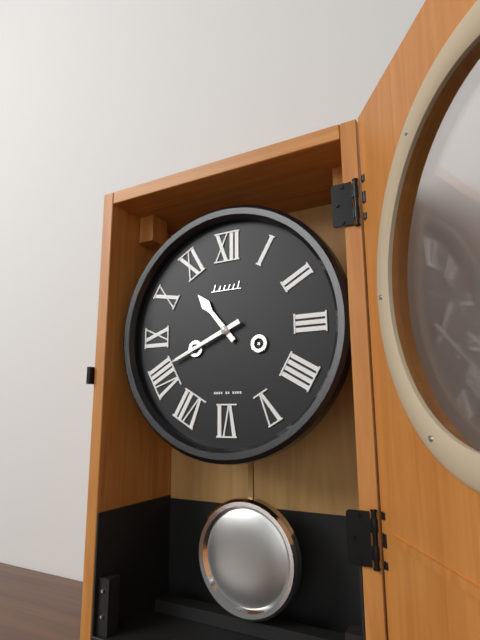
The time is 10,41
